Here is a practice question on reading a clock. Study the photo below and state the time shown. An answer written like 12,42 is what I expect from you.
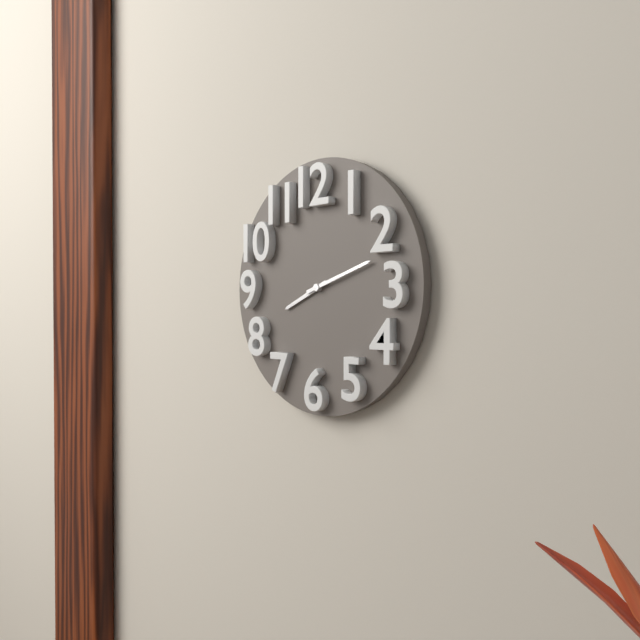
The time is 8,12
